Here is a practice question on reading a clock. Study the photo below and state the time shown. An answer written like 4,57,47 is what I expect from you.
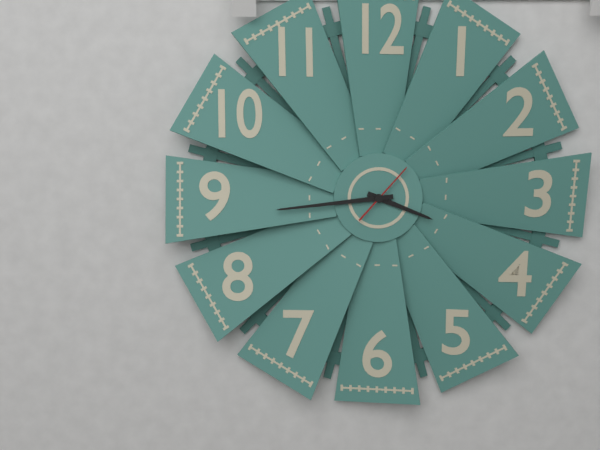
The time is 3,44,07
